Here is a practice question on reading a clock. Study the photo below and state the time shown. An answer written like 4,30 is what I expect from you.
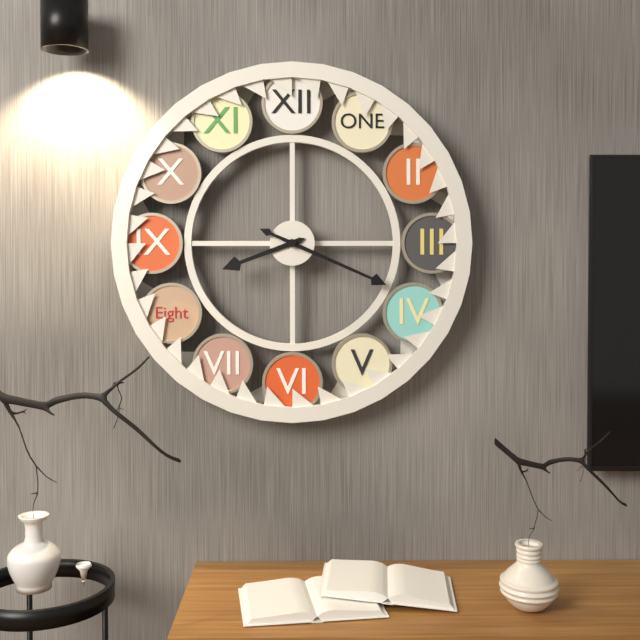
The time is 8,19
